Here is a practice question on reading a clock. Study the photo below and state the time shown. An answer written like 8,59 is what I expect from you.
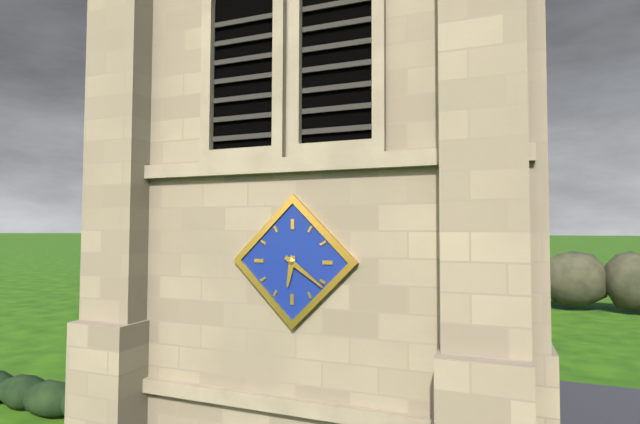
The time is 6,21
